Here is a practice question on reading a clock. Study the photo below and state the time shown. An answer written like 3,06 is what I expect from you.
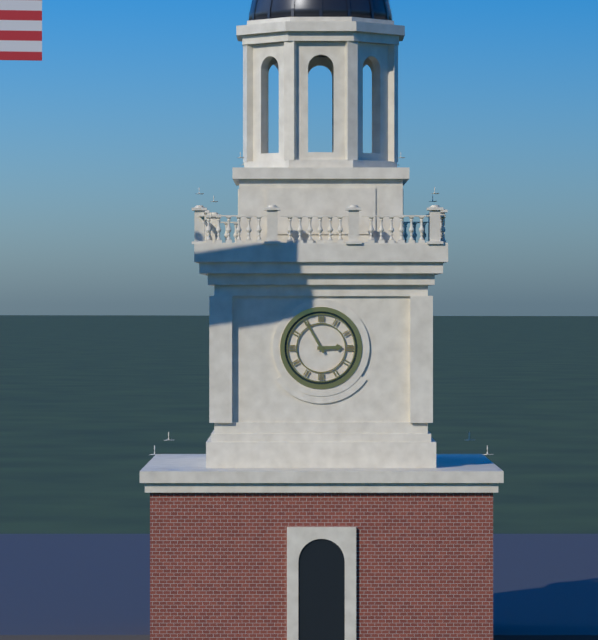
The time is 2,55
